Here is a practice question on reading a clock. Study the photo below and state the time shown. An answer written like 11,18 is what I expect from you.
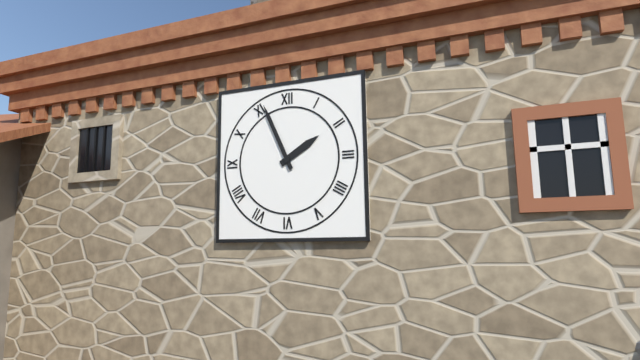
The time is 1,56
